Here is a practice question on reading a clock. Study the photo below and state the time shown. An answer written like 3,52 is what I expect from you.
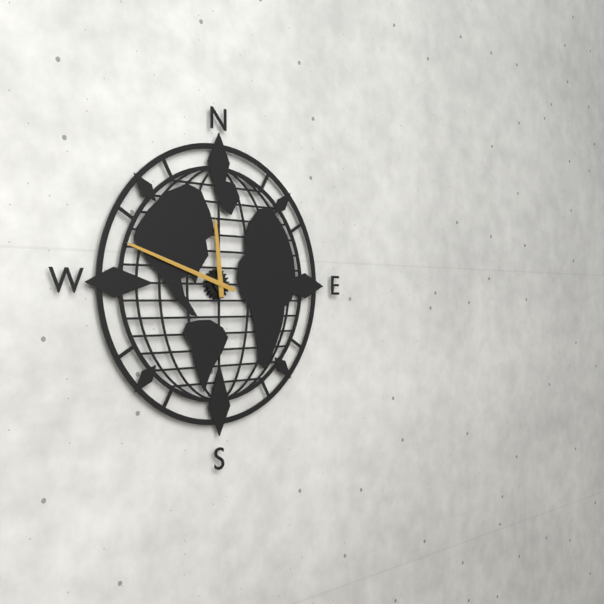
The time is 11,48
